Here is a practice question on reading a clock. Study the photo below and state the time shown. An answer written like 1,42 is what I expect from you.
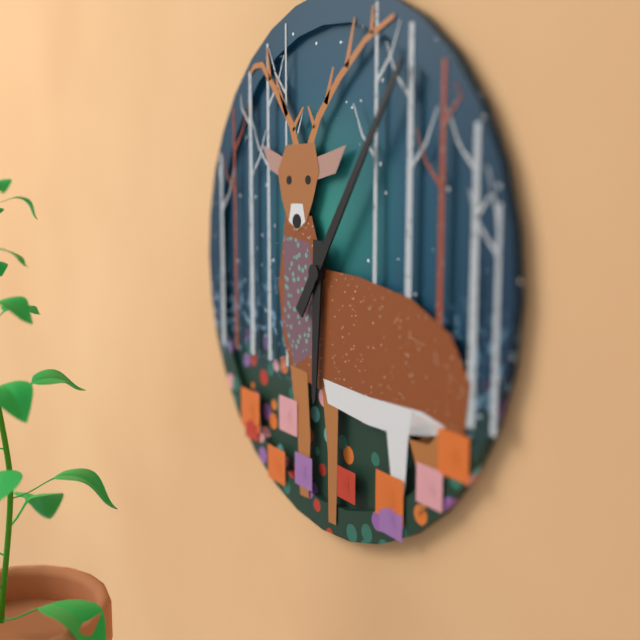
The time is 6,06
